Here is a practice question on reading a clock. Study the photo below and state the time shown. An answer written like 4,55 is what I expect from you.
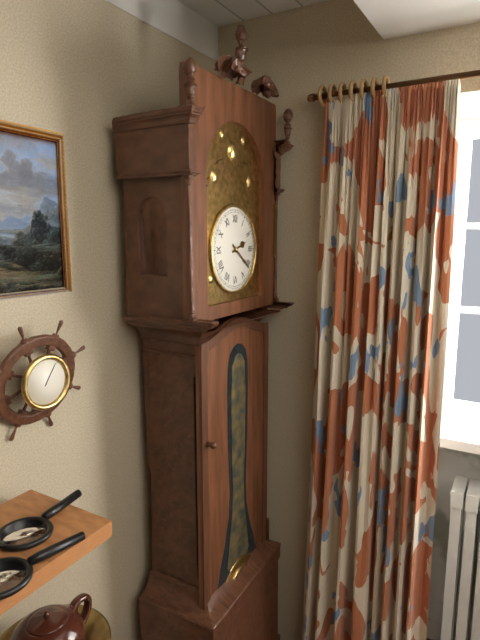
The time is 2,21
